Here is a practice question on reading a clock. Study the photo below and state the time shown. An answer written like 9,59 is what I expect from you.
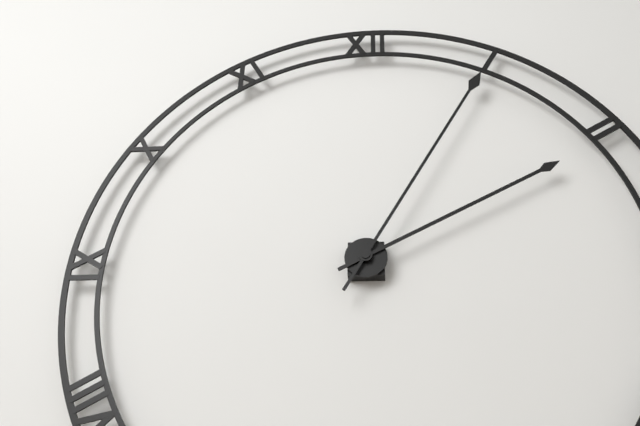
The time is 2,05
